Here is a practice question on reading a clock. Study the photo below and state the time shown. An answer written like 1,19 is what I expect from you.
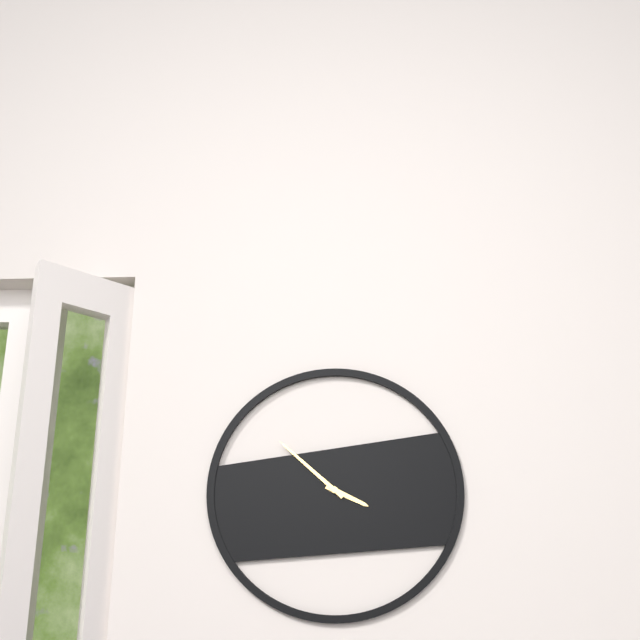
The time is 3,52
